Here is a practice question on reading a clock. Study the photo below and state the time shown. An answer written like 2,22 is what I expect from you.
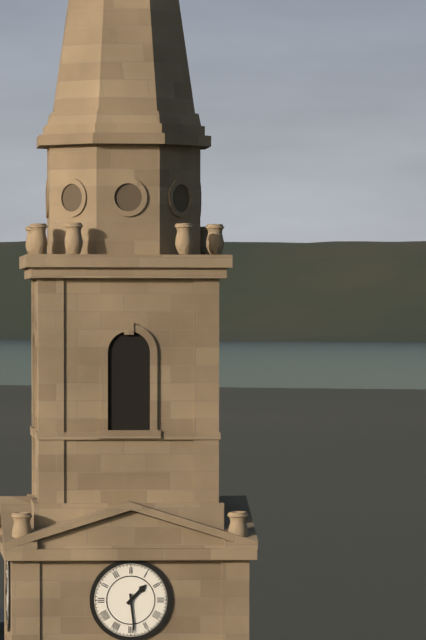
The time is 1,29
